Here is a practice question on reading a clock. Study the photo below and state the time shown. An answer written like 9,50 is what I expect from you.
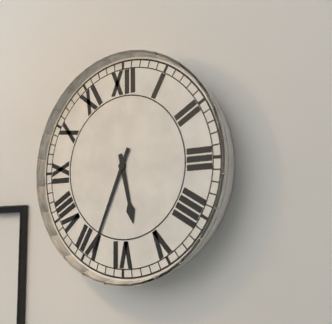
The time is 5,34
